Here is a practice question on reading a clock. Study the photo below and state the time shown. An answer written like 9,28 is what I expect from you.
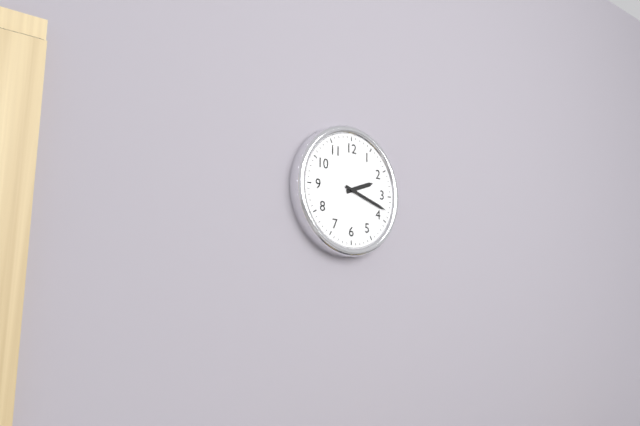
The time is 2,18
